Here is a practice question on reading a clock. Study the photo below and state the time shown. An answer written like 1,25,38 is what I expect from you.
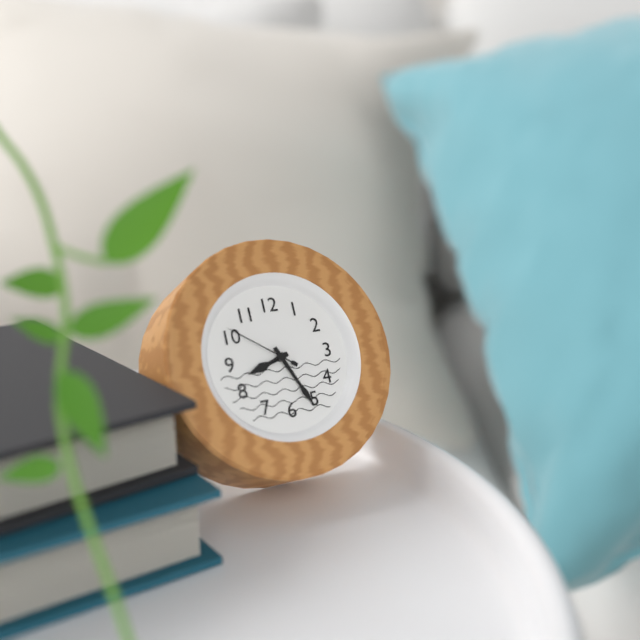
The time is 8,26,51
